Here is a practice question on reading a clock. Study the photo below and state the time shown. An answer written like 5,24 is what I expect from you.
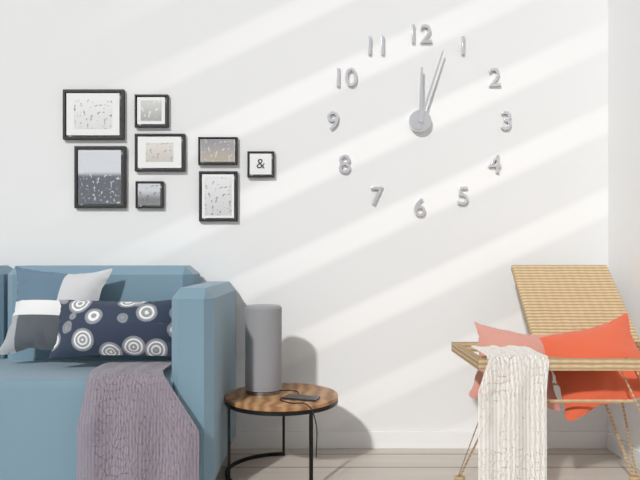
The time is 12,03
